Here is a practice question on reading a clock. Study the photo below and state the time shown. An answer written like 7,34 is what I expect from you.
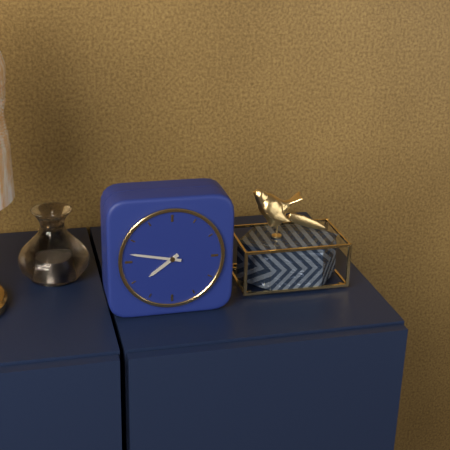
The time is 7,47
